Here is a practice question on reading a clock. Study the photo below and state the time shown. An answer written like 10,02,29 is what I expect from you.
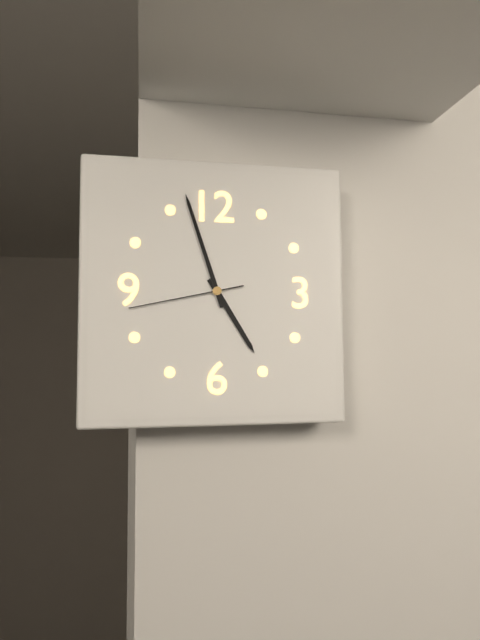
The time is 4,57,43
